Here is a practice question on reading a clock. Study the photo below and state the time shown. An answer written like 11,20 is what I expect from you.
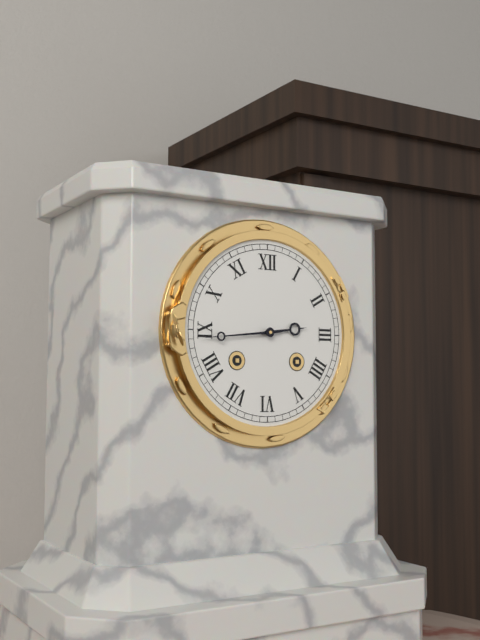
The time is 2,44
